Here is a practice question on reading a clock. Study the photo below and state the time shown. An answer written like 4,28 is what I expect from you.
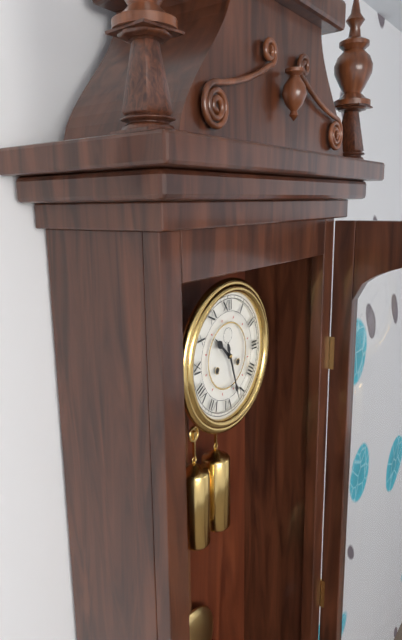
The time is 10,27
